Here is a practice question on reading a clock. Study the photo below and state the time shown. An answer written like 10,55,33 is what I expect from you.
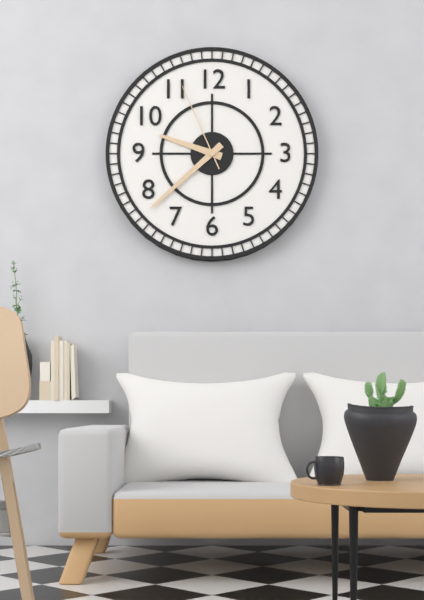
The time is 9,38,56
